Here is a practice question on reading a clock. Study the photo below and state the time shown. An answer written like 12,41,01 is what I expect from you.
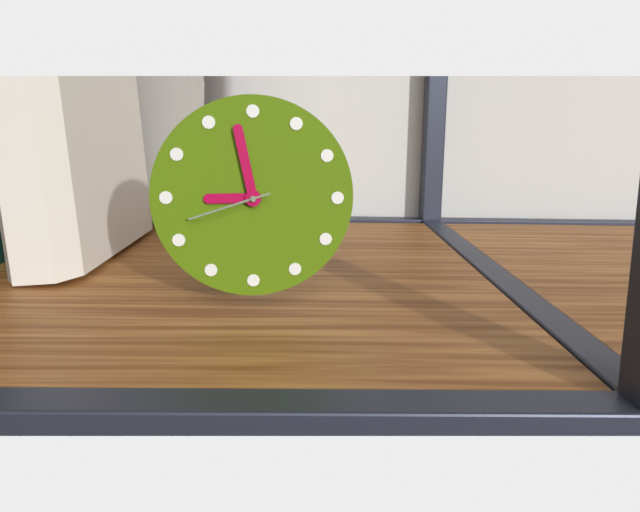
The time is 8,58,42
